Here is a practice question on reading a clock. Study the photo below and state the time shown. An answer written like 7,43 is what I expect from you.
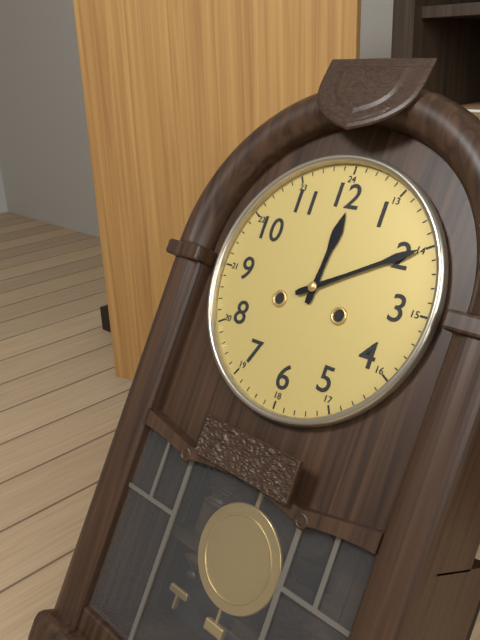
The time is 12,10
